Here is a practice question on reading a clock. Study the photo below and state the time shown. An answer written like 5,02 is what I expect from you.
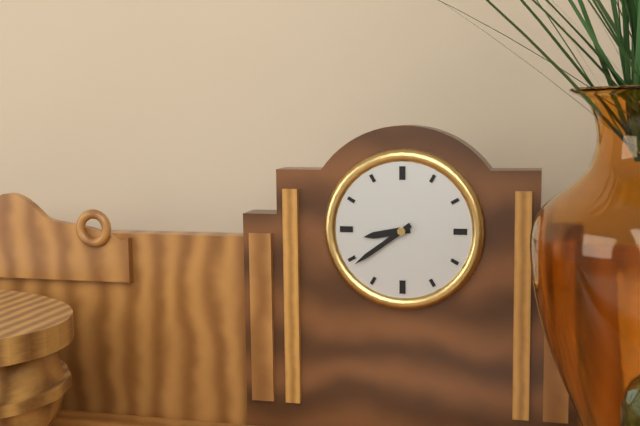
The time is 8,39
